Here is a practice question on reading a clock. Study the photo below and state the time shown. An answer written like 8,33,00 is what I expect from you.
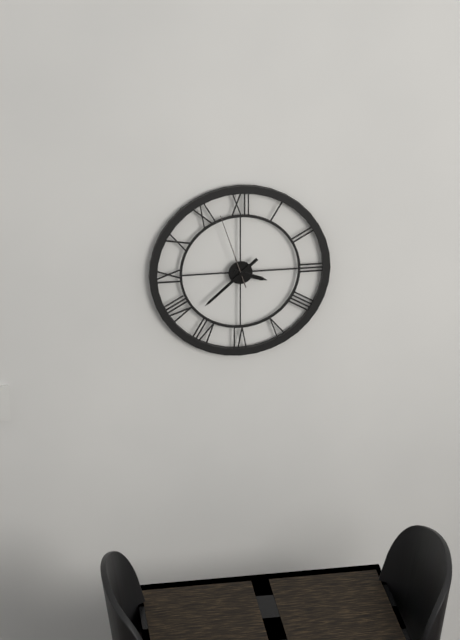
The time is 3,38,57
